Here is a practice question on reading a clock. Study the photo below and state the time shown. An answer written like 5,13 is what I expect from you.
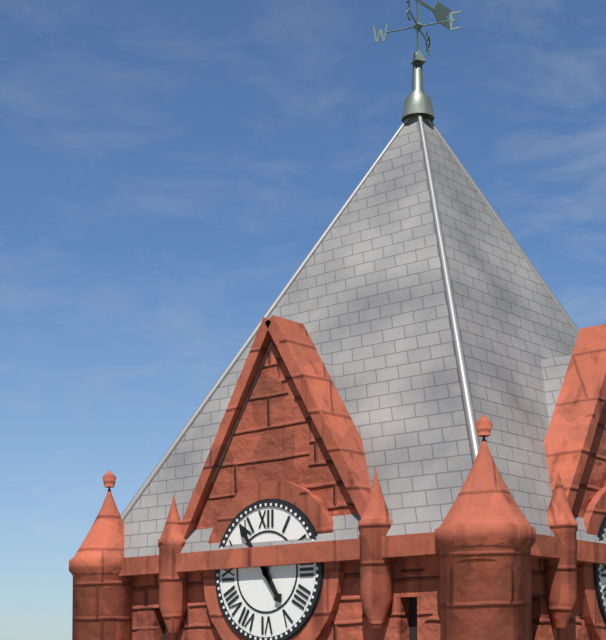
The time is 4,54
